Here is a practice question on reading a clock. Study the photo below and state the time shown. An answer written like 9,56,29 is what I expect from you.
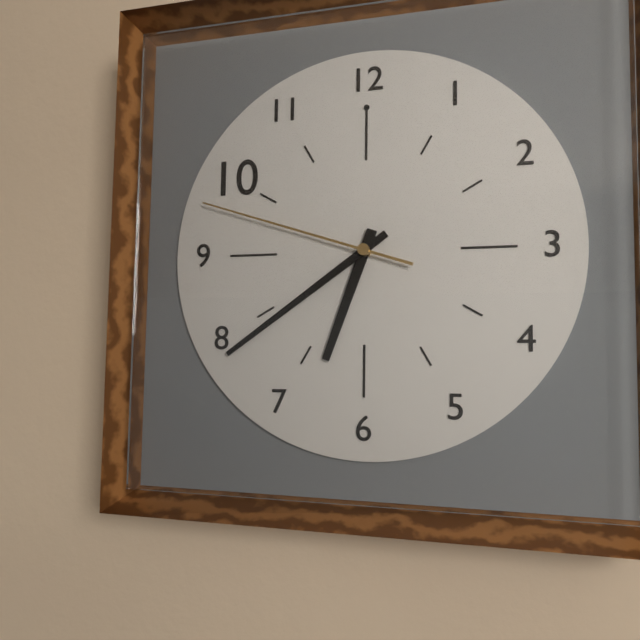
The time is 6,39,48
